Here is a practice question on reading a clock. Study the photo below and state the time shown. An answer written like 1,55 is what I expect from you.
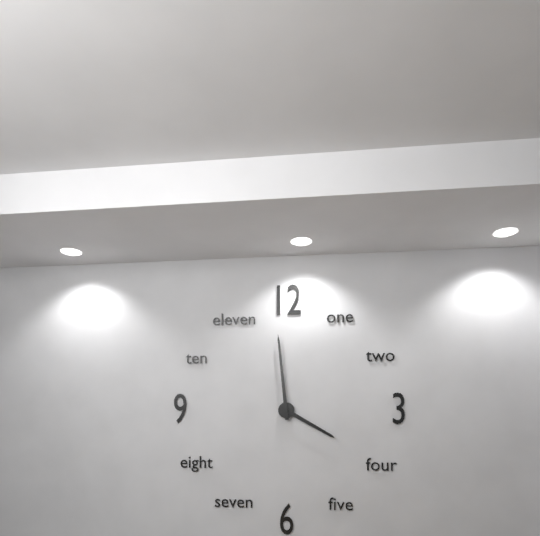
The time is 3,59
